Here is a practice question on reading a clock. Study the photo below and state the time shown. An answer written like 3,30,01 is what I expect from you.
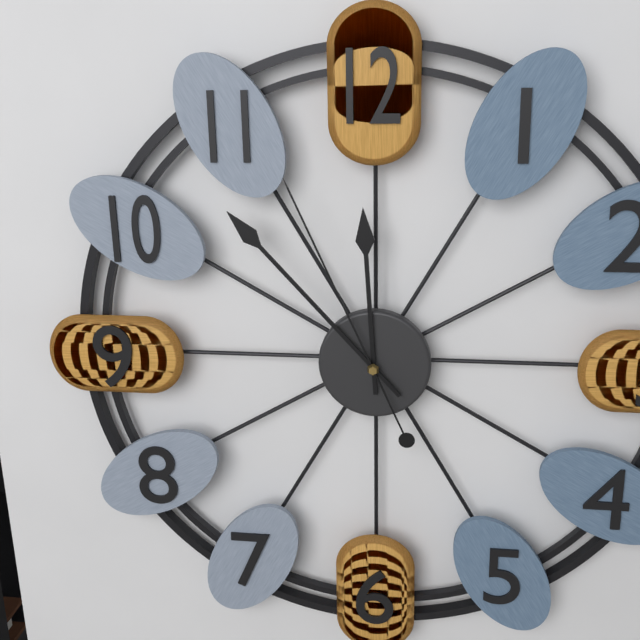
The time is 11,53,56
